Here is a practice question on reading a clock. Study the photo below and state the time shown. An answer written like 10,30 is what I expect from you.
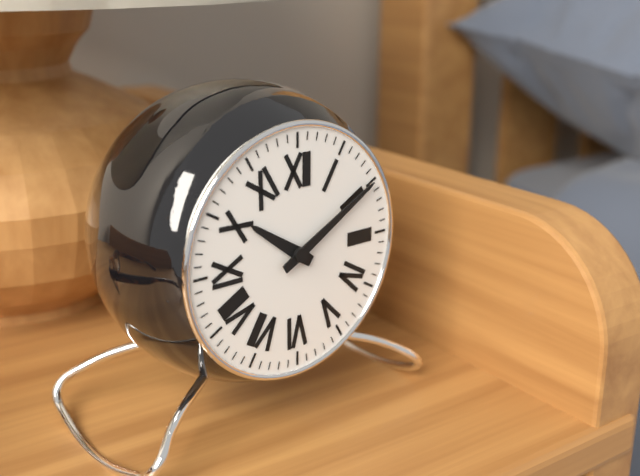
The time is 10,10
